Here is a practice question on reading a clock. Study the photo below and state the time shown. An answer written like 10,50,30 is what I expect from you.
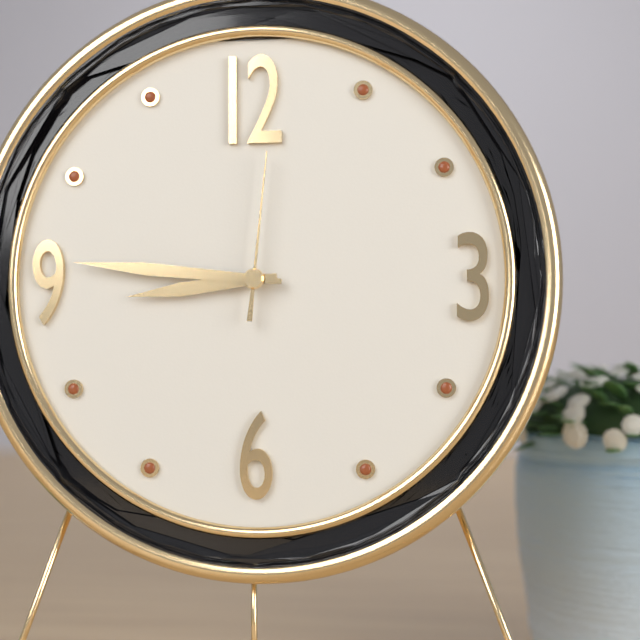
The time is 8,46,01
